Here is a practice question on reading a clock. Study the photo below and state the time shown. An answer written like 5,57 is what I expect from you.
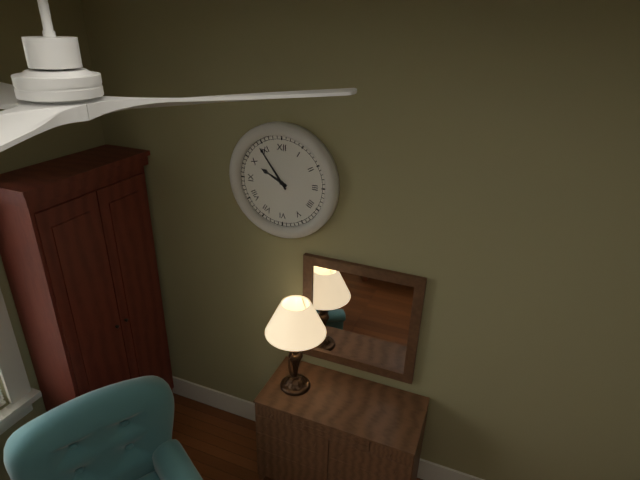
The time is 9,54
